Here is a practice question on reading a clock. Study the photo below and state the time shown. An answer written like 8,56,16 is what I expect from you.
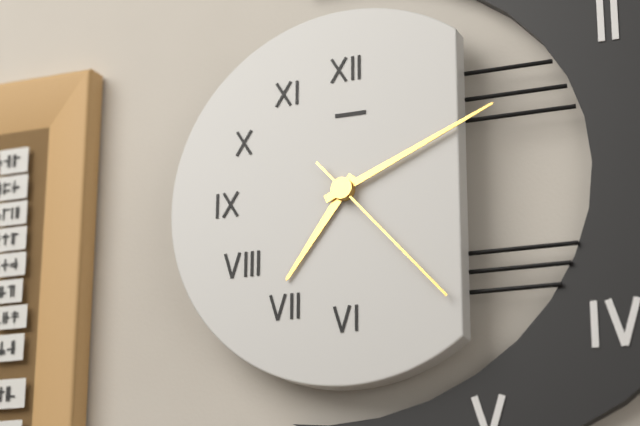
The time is 7,11,23
